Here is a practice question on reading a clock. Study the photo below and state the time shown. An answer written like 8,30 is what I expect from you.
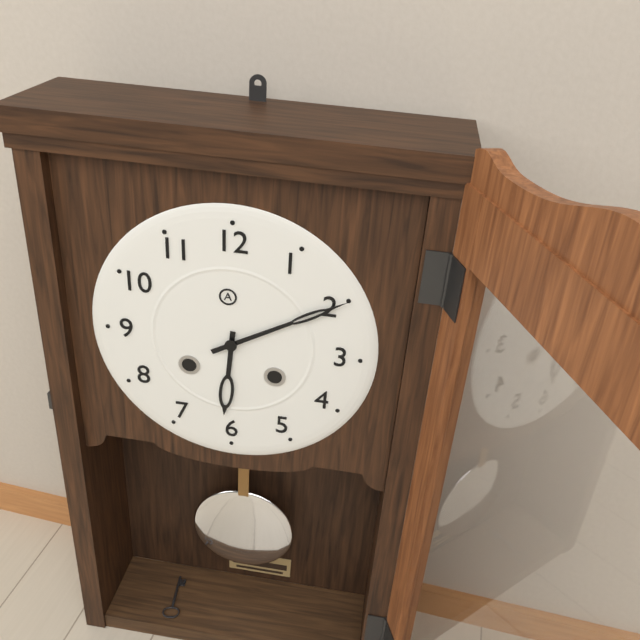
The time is 6,10
